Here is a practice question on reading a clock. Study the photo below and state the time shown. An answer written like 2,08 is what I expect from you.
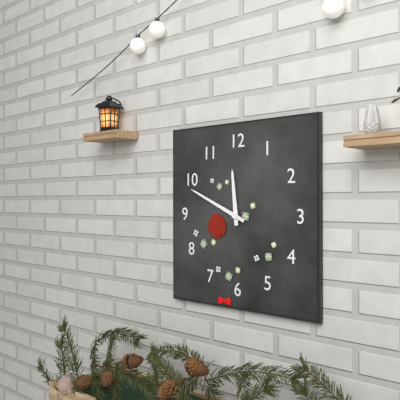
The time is 11,49
